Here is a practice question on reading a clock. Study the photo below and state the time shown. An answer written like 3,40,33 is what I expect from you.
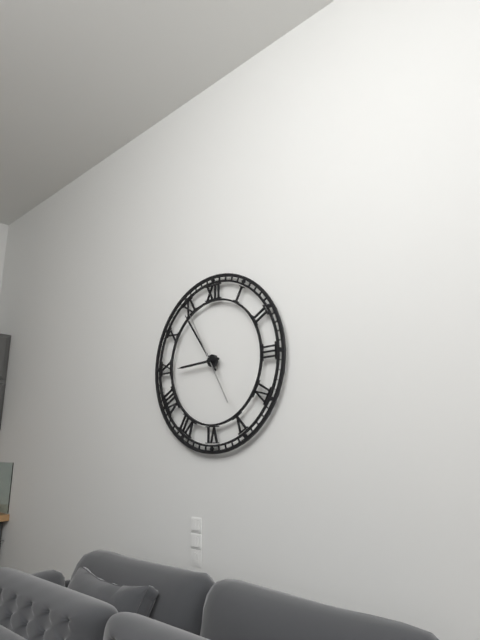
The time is 8,54,55
